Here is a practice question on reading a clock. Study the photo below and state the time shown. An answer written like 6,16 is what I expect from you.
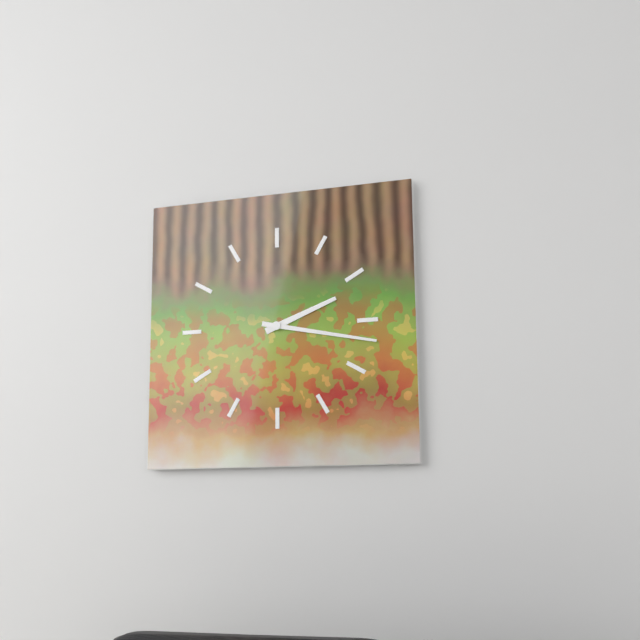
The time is 2,17
